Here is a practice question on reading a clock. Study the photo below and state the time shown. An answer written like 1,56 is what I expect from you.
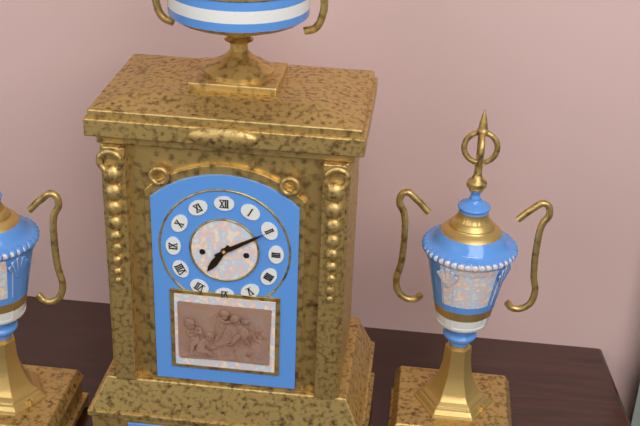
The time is 7,10
